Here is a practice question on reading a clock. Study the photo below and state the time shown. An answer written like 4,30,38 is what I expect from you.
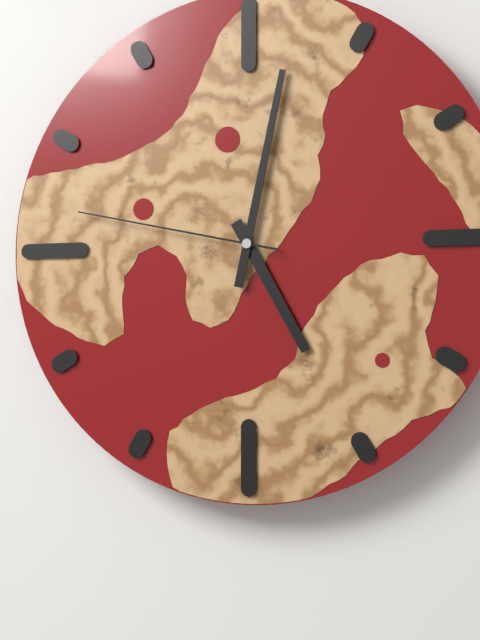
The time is 5,02,47
